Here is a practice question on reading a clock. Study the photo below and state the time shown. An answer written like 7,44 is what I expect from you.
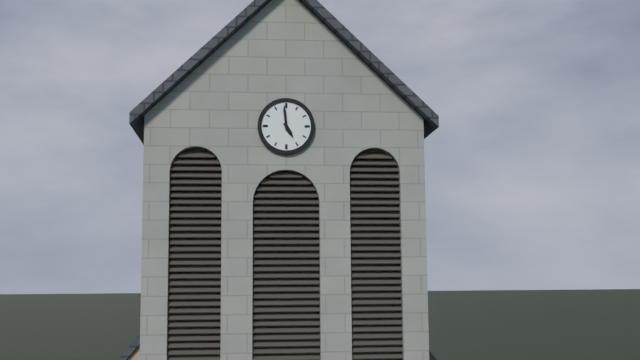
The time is 4,59
